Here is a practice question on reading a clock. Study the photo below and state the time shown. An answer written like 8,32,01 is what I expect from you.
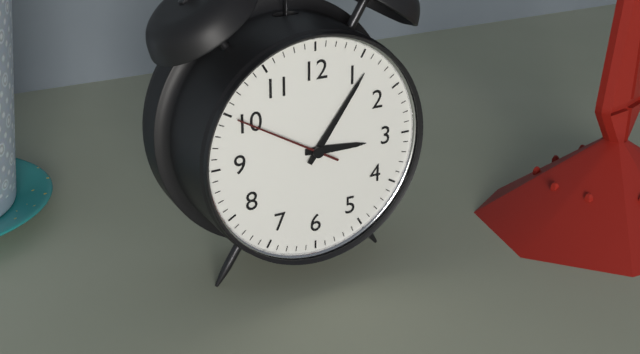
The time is 3,06,50
